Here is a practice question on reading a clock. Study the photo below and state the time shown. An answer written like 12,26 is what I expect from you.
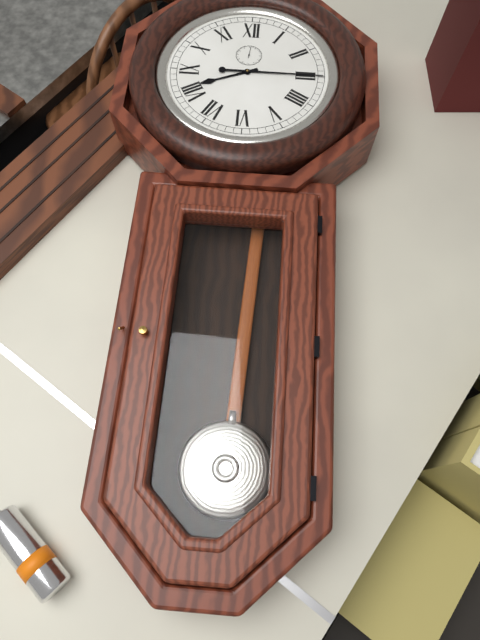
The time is 8,15
